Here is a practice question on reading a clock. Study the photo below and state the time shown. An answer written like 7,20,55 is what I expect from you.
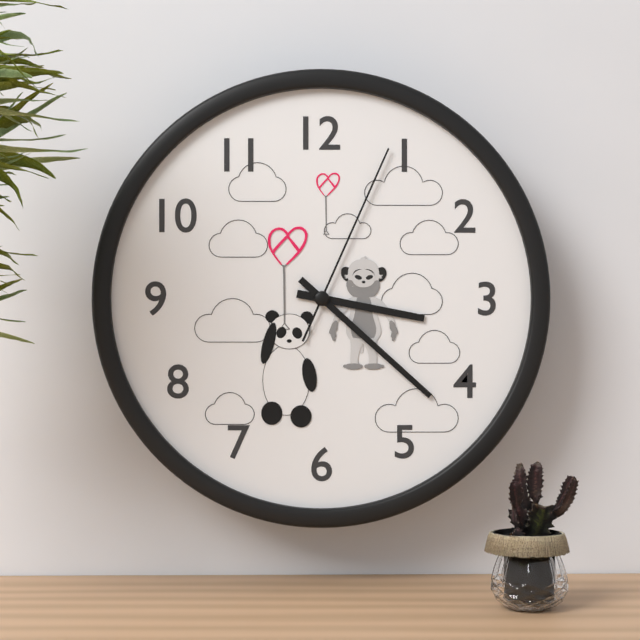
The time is 3,22,04
